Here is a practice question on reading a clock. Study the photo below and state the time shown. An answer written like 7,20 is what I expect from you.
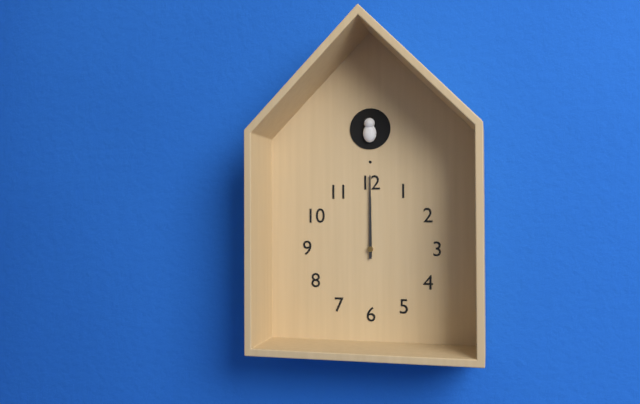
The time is 12,00
